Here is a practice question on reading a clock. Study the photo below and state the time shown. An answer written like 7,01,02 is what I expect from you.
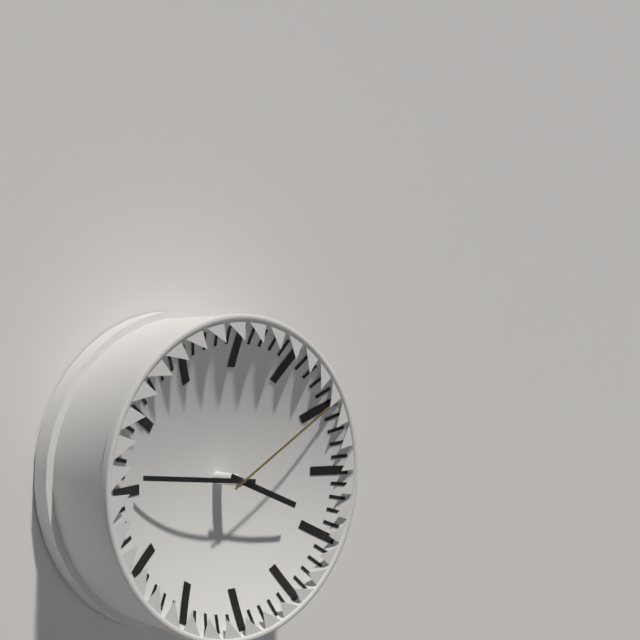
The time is 3,46,10
